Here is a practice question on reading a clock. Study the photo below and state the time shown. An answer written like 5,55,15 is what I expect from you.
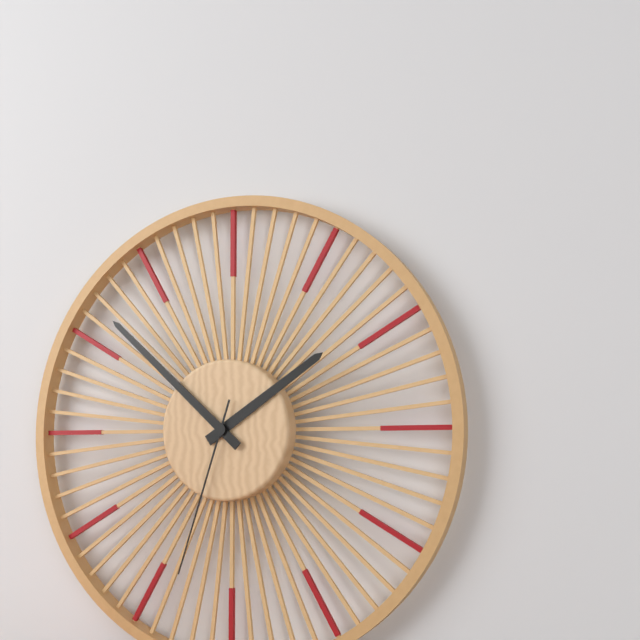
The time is 1,52,33
